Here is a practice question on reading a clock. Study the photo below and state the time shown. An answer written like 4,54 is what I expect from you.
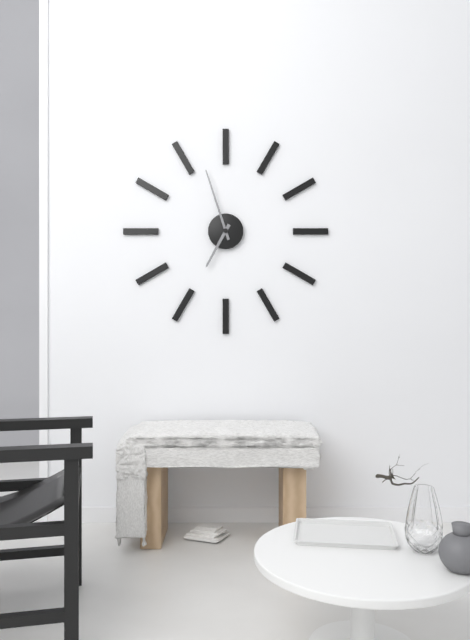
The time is 6,57
